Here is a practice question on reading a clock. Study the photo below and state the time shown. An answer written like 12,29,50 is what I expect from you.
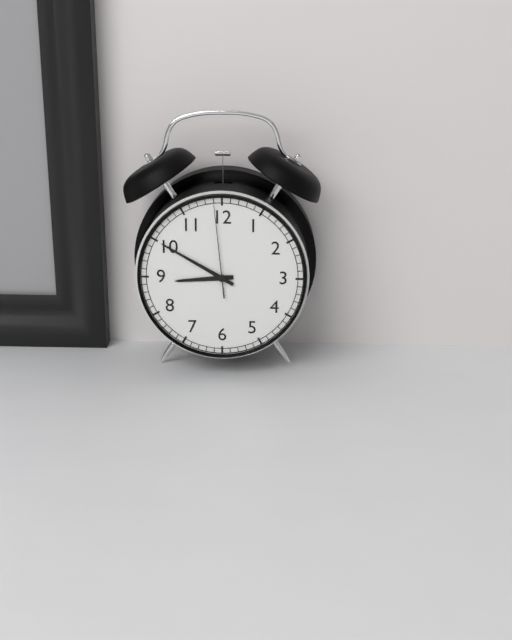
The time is 8,50,59
